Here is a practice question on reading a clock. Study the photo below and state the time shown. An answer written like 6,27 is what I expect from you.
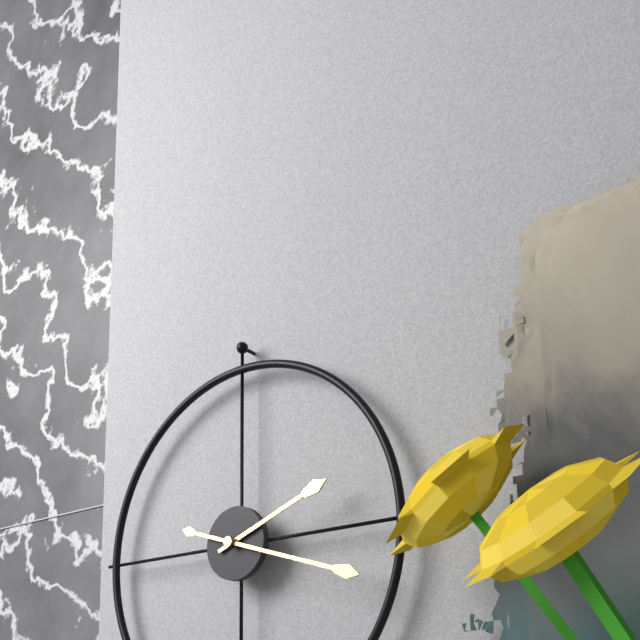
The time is 2,18
